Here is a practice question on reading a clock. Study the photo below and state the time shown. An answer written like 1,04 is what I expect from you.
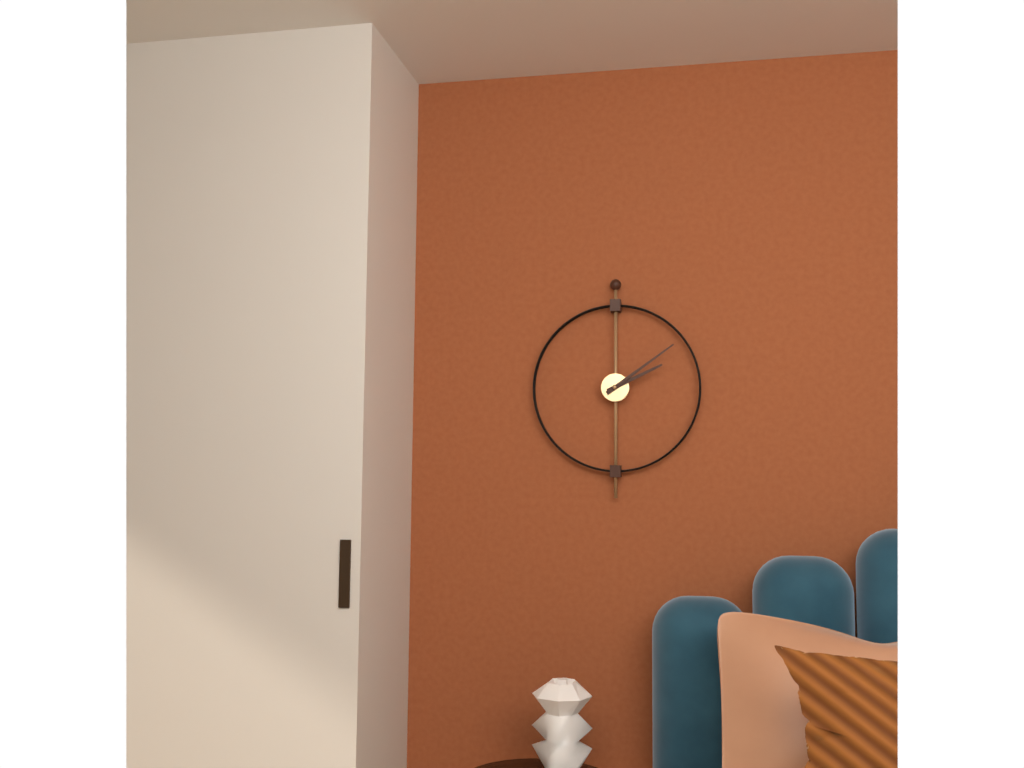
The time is 2,09
